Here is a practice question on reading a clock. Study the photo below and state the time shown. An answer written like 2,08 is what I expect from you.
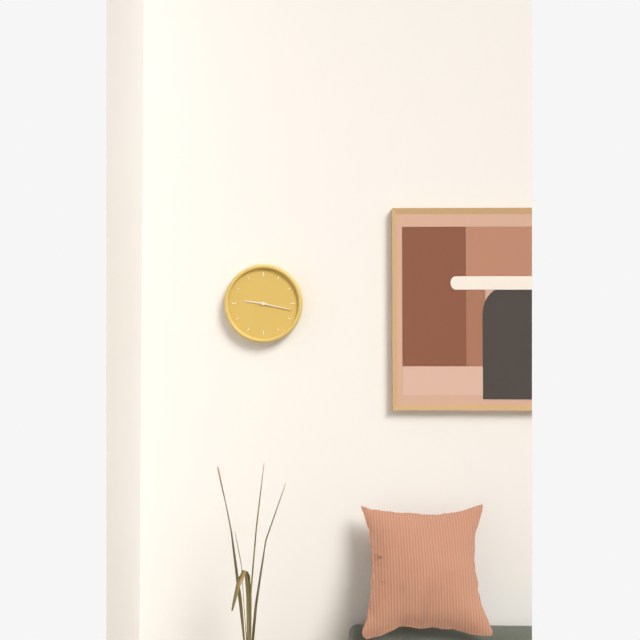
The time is 9,17
